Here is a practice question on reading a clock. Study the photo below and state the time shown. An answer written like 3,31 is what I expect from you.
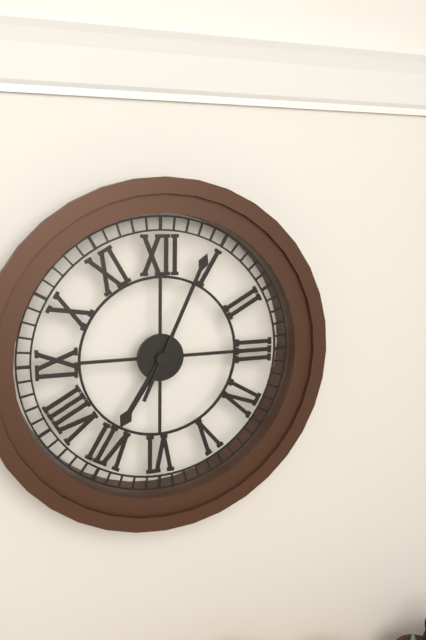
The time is 7,04
